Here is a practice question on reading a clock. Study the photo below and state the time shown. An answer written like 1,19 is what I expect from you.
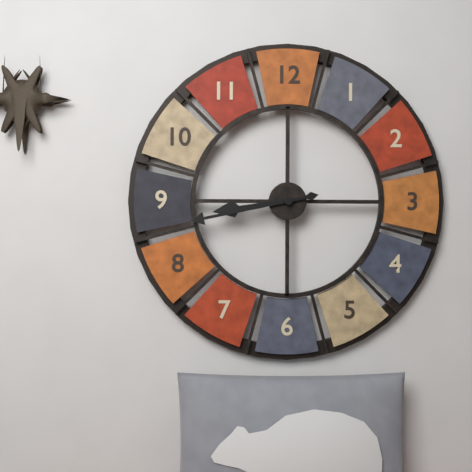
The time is 8,43
